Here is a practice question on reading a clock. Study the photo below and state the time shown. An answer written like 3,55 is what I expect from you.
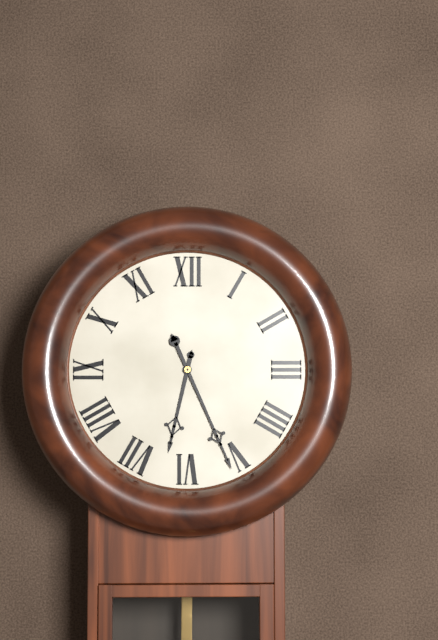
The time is 6,26
